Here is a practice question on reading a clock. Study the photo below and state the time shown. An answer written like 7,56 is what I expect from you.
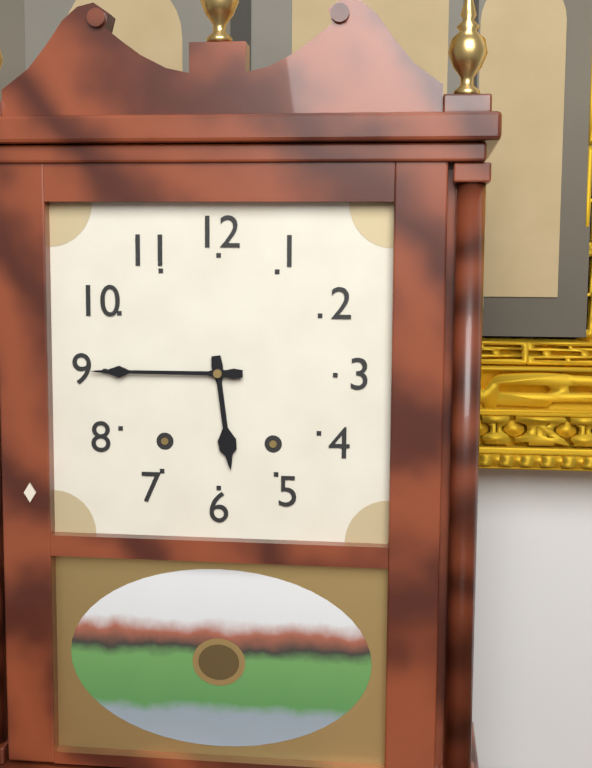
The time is 5,45
